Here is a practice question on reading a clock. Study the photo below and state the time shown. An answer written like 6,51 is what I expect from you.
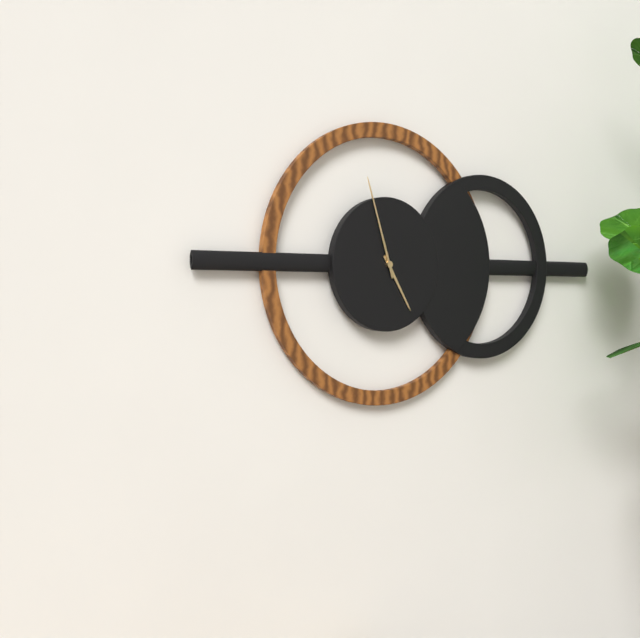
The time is 4,57
